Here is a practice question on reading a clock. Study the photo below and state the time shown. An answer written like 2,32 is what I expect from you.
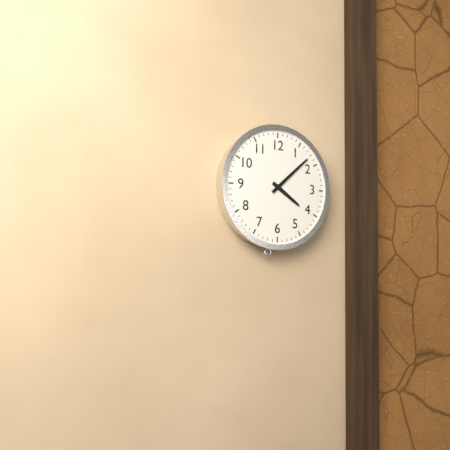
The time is 4,08
